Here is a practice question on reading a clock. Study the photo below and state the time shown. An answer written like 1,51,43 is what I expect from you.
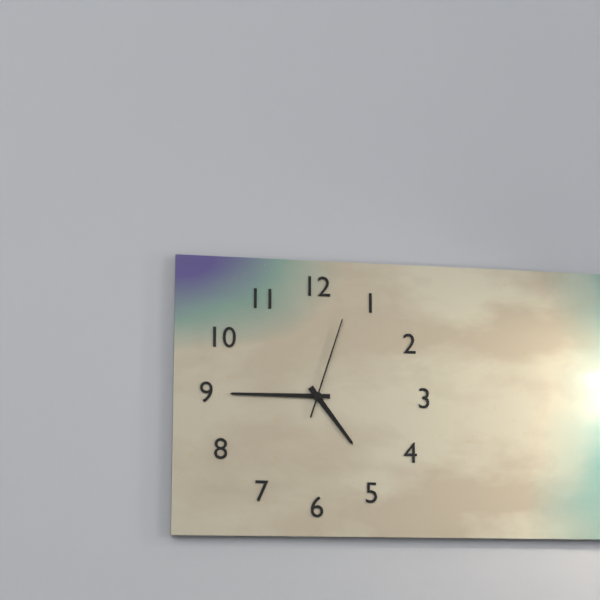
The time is 4,45,03
